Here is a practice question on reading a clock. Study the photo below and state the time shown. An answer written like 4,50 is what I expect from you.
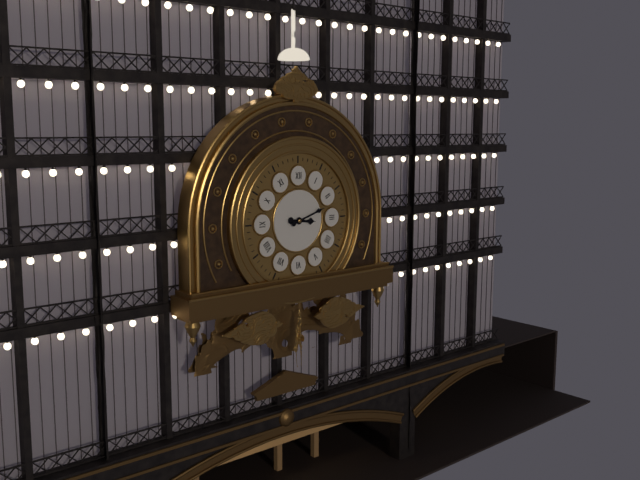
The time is 3,12
